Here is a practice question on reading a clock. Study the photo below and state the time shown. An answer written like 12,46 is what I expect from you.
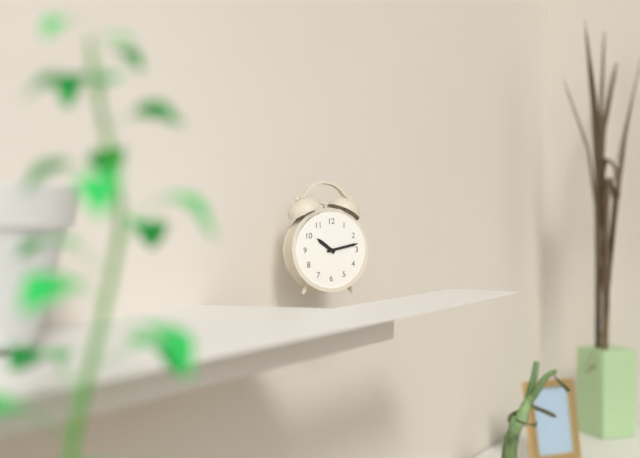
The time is 10,13
